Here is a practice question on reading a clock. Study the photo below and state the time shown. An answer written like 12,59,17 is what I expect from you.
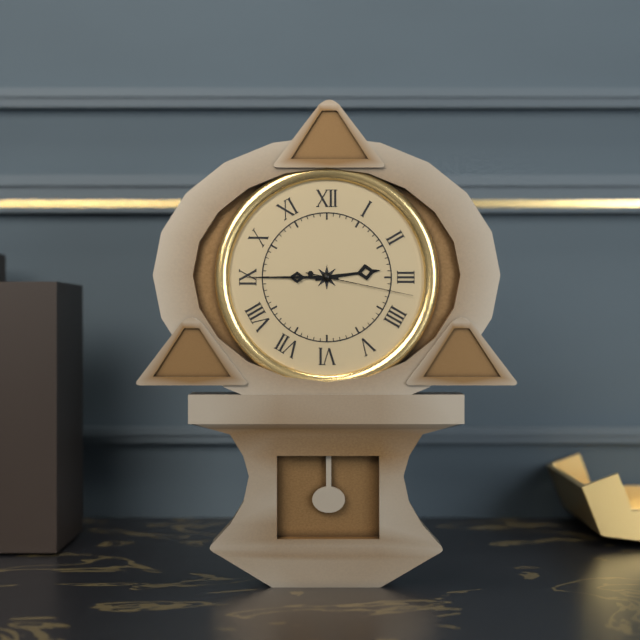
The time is 2,45,17
